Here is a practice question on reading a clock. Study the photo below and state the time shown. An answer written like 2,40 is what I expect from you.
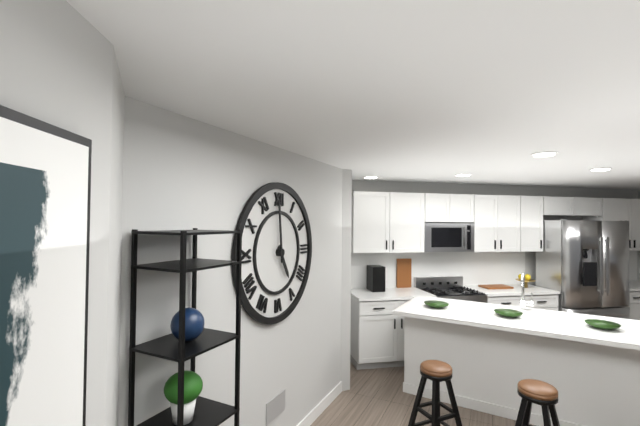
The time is 4,59
